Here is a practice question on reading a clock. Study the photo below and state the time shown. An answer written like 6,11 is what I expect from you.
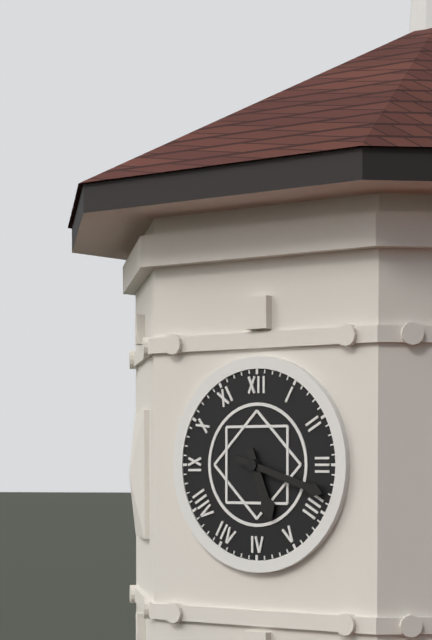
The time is 5,18
